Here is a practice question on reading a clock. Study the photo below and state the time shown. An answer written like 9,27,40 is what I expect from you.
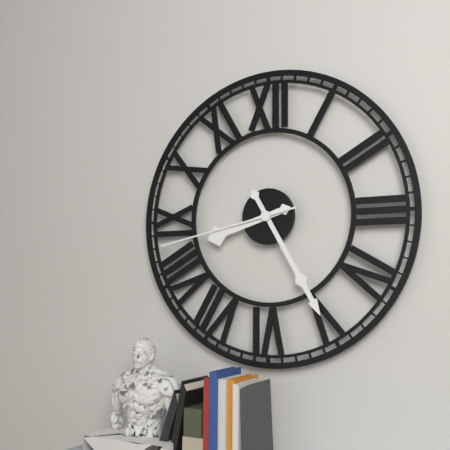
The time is 8,25,43
